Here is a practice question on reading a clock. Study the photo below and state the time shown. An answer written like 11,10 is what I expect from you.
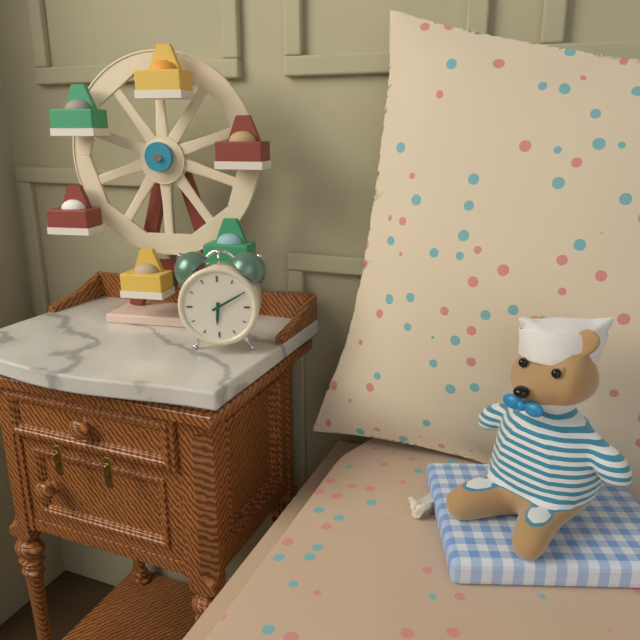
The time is 6,10
